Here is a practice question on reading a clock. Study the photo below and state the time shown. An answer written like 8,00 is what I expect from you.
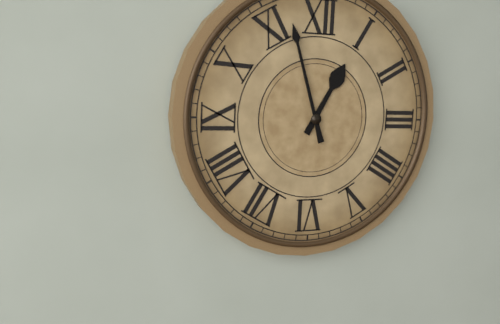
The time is 12,57
